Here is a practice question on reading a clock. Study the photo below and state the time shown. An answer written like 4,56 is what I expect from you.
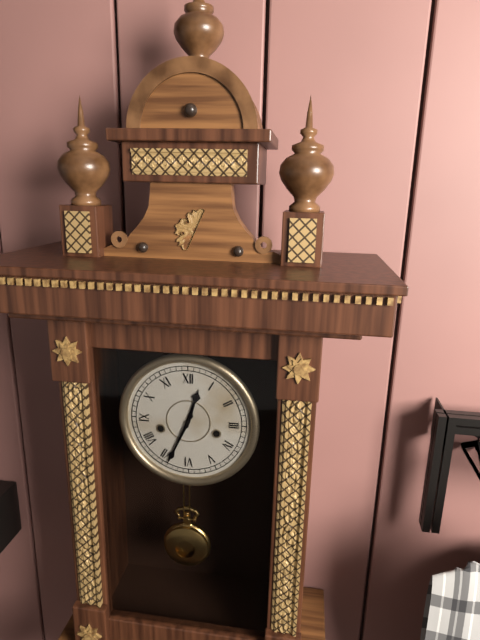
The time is 12,34
